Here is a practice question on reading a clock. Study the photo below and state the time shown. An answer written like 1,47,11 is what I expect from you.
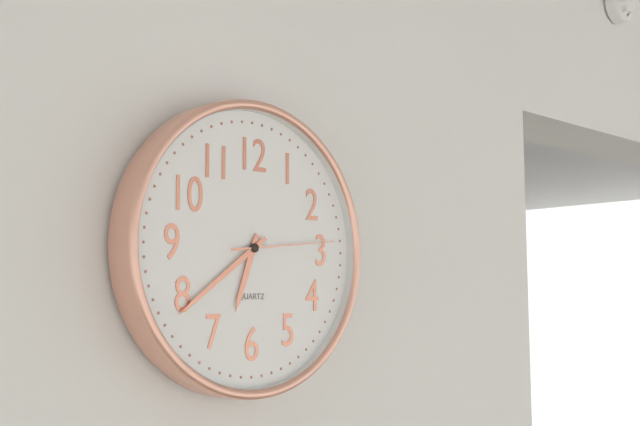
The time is 6,39,14
